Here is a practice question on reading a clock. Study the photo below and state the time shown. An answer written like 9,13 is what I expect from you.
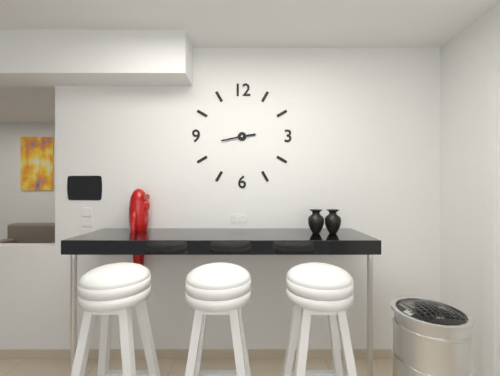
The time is 2,43
